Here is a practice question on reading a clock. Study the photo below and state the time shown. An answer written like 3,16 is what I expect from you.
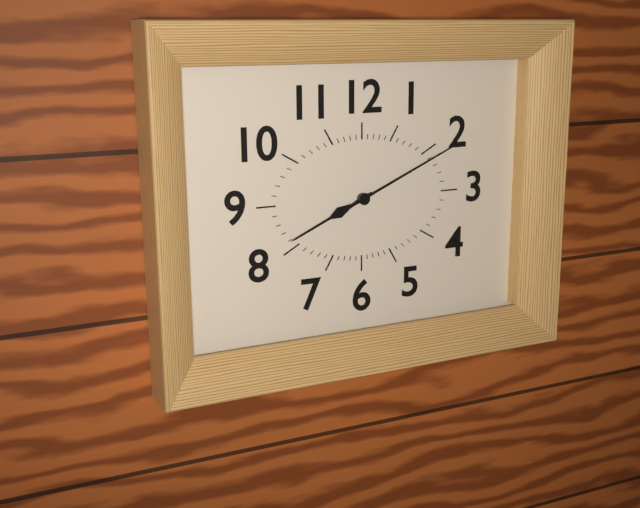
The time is 8,11
